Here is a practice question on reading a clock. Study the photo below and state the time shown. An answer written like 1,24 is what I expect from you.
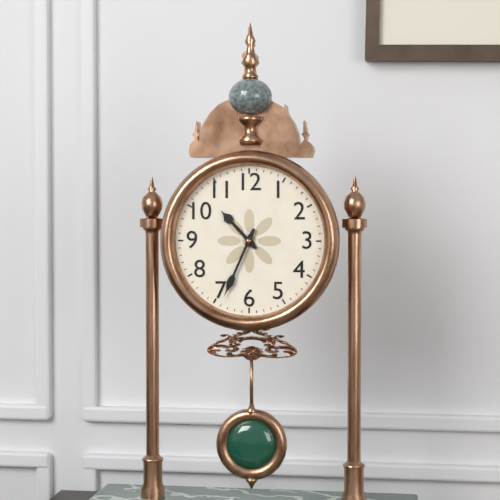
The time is 10,34
